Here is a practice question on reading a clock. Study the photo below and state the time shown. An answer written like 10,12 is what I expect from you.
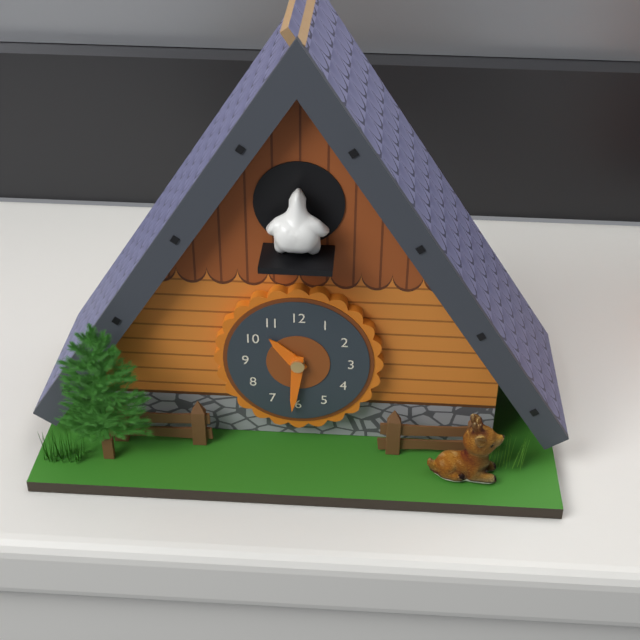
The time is 10,31
